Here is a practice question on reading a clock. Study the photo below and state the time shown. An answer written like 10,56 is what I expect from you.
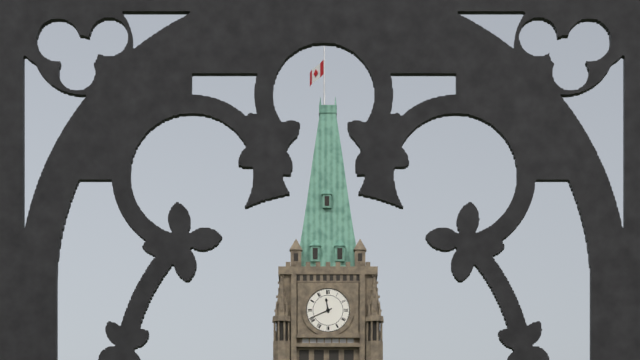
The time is 11,41
